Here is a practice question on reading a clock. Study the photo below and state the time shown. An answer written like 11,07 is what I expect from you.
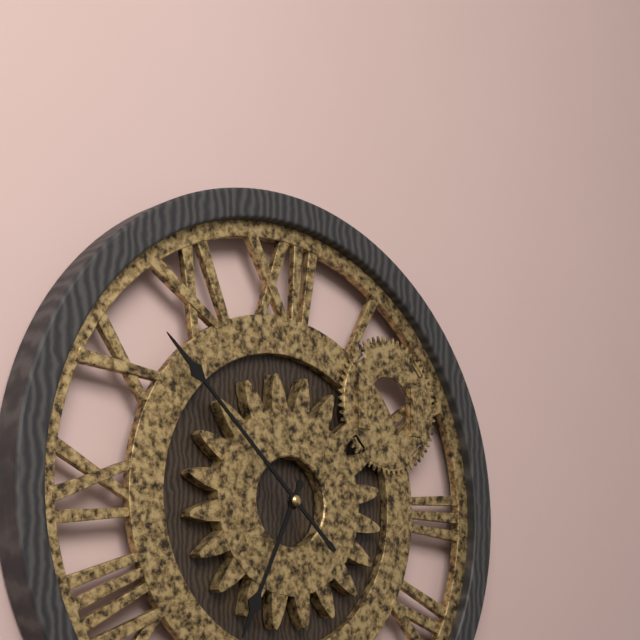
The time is 6,52
